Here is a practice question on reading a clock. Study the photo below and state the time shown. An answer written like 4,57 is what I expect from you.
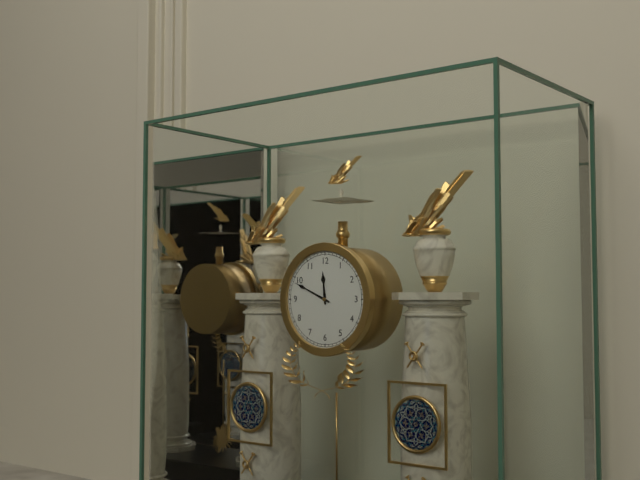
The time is 11,49
